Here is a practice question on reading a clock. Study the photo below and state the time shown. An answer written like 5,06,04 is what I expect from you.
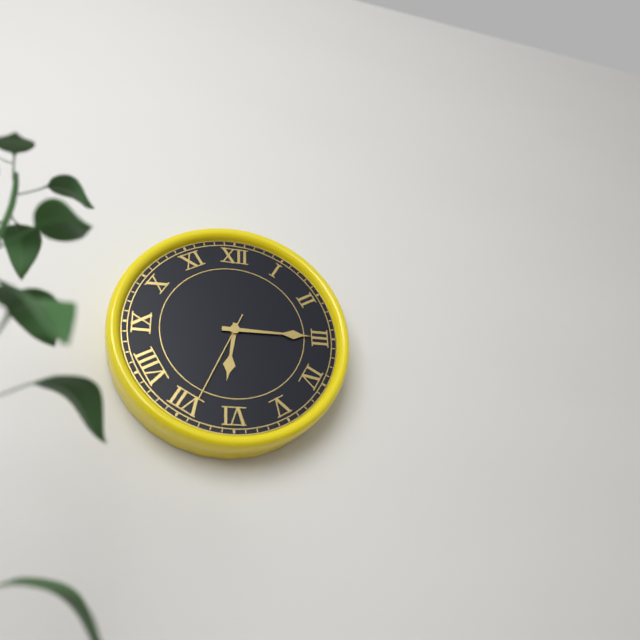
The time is 6,15,34
